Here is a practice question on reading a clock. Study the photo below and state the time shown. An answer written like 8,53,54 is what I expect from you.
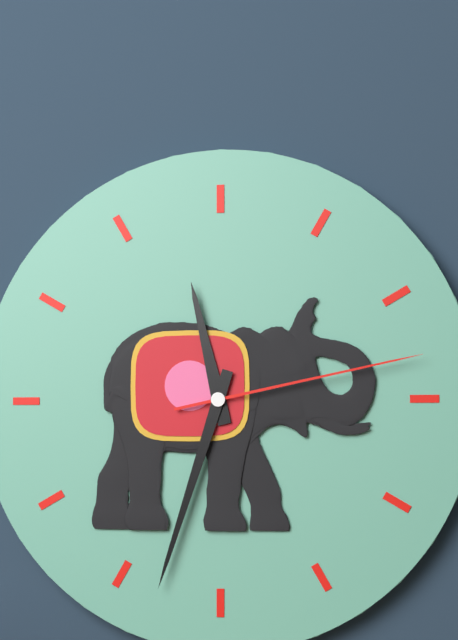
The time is 11,33,13
